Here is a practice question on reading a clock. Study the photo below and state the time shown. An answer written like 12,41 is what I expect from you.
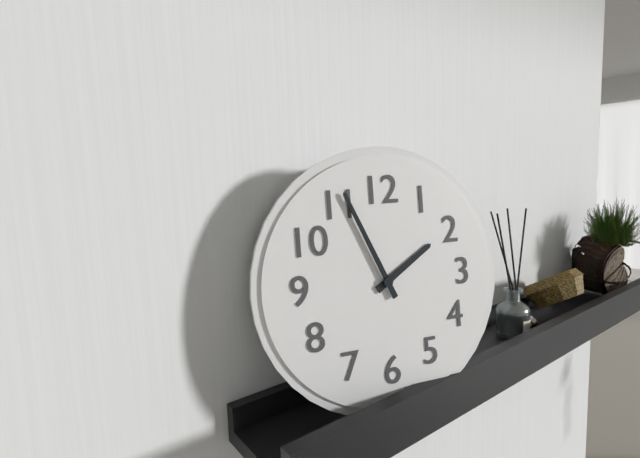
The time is 1,56
